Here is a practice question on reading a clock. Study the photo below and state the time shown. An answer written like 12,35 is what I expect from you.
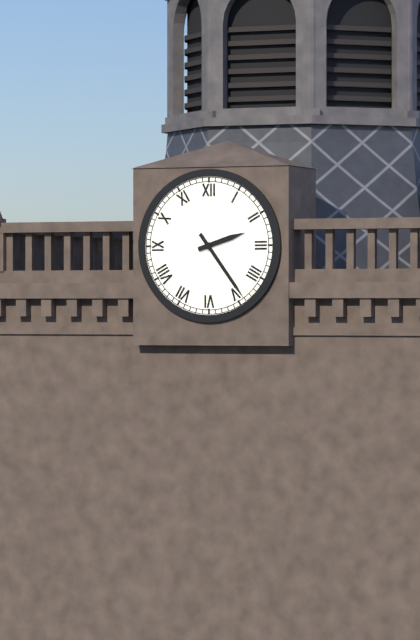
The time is 2,24
